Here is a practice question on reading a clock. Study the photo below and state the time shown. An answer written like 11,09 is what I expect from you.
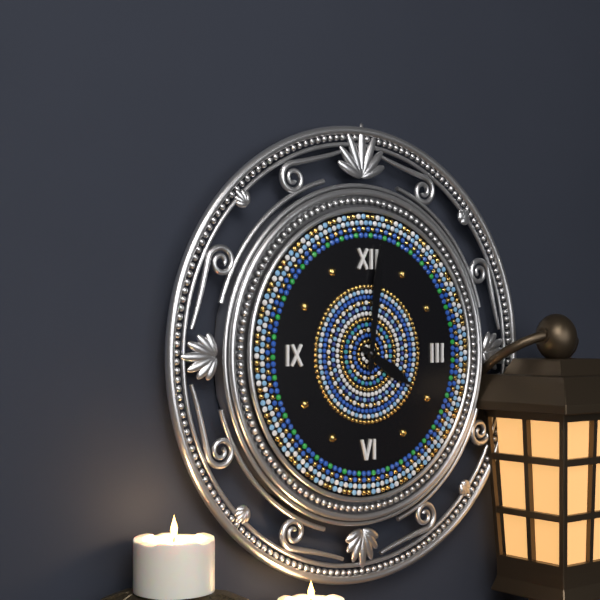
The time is 4,01
